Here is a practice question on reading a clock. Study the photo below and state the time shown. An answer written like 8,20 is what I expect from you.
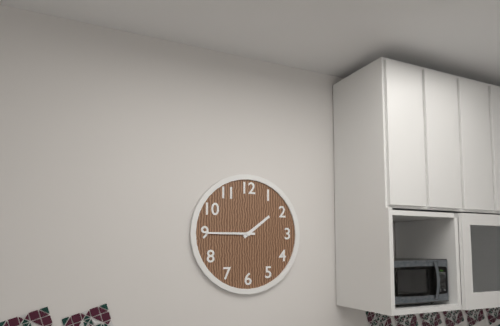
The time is 1,45
